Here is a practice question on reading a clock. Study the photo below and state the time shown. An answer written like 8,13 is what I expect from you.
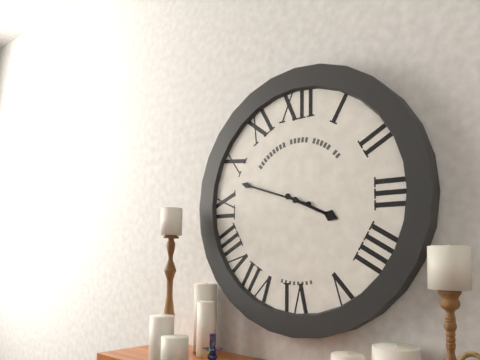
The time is 3,48
